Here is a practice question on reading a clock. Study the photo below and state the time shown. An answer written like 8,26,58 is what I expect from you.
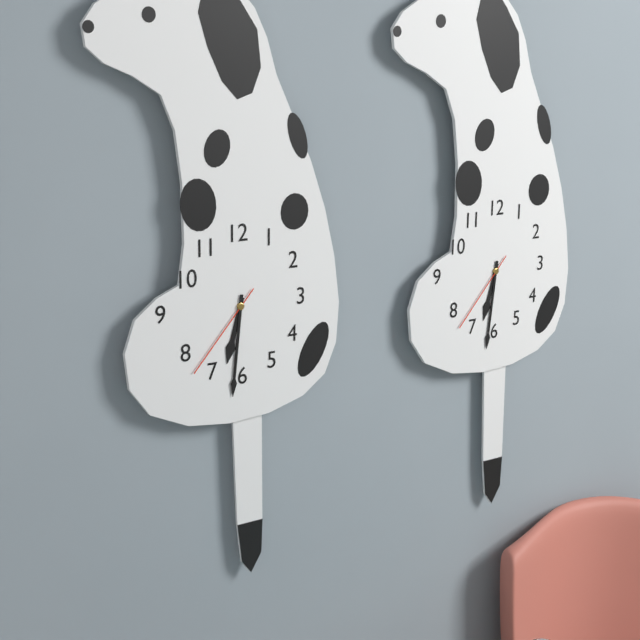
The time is 6,31,37
